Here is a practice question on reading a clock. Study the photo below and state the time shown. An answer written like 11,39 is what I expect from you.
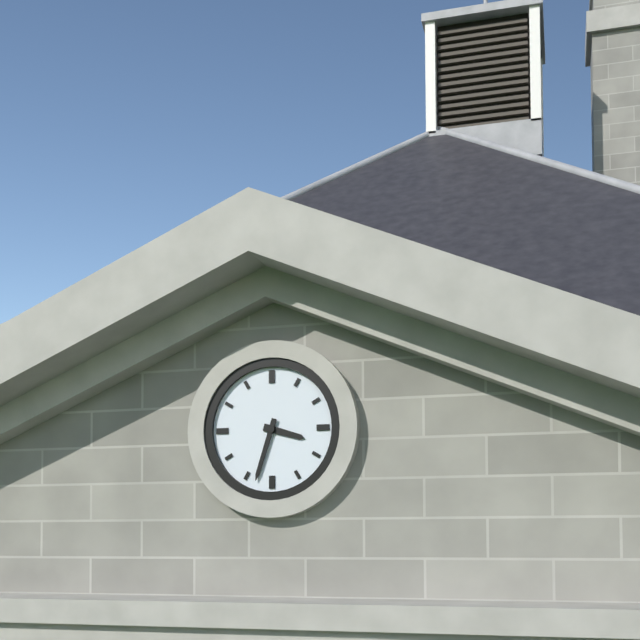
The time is 3,33
